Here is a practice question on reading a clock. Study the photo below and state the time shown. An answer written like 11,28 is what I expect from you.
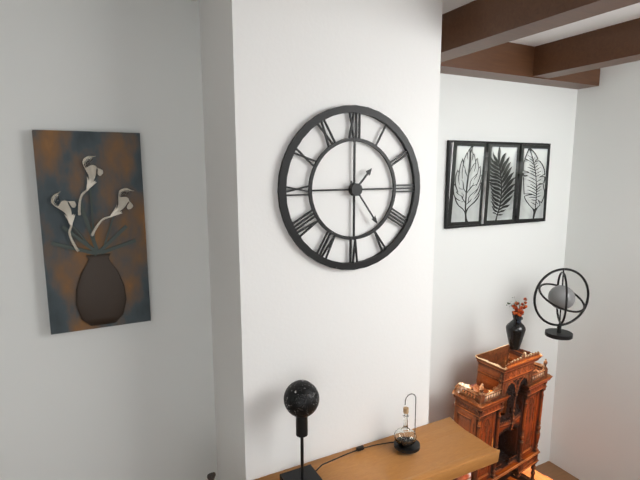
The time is 1,24
